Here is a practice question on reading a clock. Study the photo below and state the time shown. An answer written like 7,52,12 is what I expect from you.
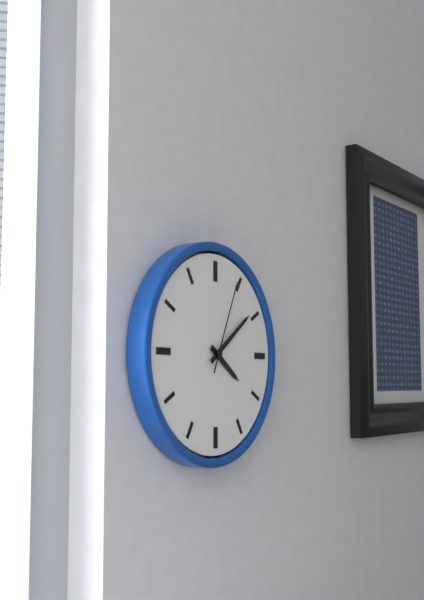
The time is 4,09,04
